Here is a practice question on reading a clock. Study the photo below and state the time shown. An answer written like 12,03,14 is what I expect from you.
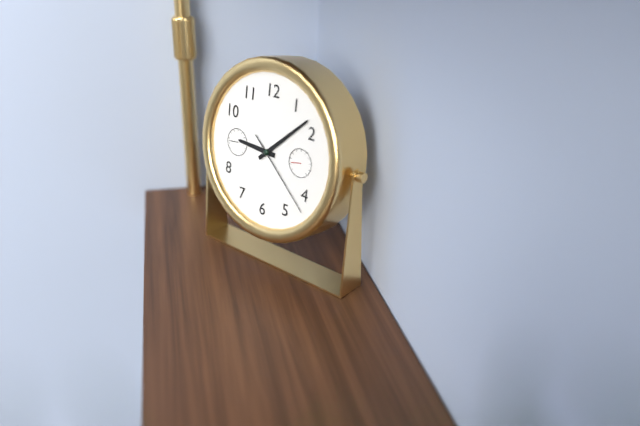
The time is 9,08,22
